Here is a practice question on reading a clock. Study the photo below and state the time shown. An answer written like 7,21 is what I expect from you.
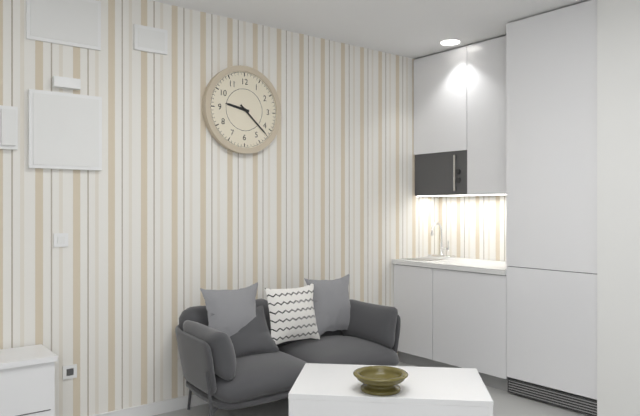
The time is 9,22
